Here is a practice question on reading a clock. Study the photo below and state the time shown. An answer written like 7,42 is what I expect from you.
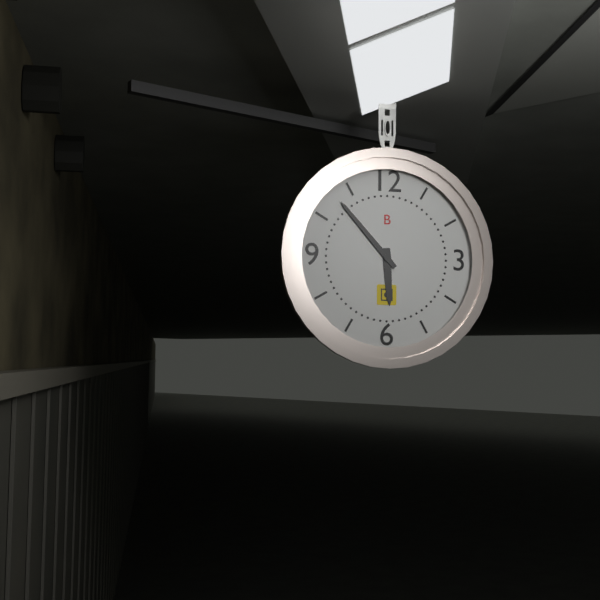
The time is 5,53
